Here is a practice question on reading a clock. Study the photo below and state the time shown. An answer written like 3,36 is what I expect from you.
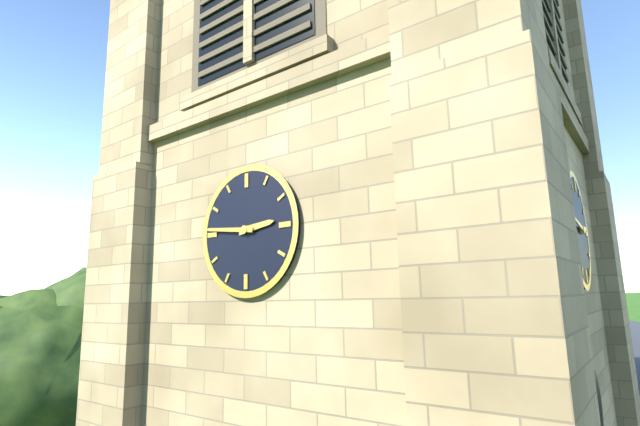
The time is 2,46
